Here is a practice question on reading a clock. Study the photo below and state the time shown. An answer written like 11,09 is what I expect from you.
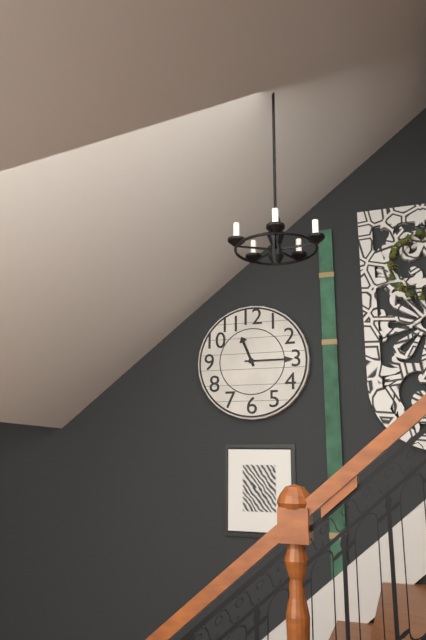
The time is 11,15
